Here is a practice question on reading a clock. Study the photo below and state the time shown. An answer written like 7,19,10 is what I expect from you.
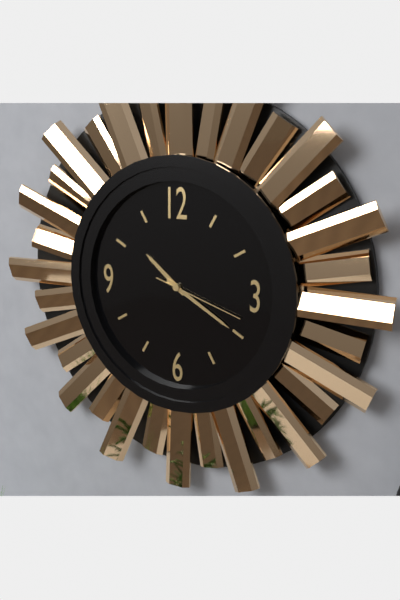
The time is 10,20,18
